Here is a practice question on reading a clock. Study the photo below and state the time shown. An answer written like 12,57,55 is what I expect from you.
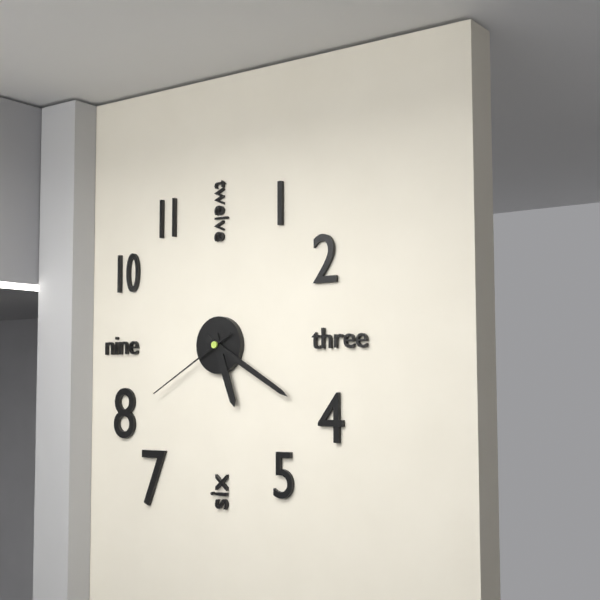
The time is 5,20,40
